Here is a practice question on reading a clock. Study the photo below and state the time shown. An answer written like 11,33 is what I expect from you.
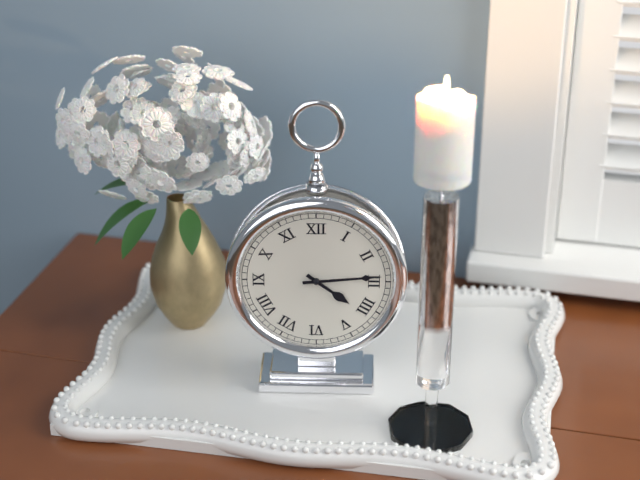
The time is 4,14
